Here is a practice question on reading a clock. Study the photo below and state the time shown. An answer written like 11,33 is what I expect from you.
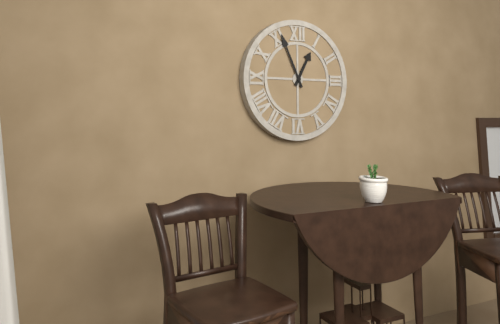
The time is 12,56
